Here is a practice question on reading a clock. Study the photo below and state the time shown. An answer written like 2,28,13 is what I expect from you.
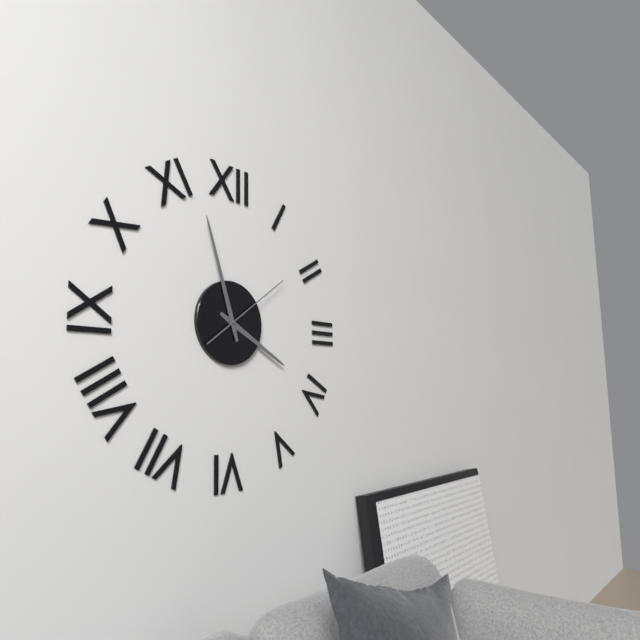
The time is 3,57,09
